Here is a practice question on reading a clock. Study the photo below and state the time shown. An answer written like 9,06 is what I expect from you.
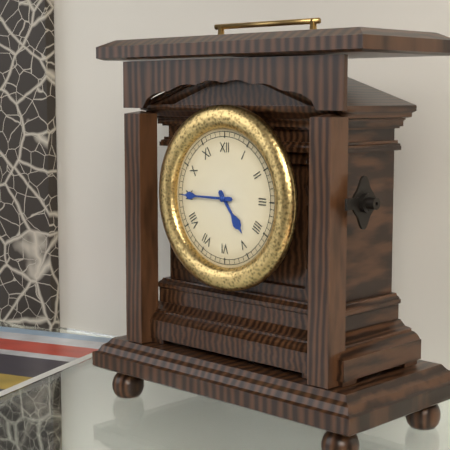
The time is 4,45
